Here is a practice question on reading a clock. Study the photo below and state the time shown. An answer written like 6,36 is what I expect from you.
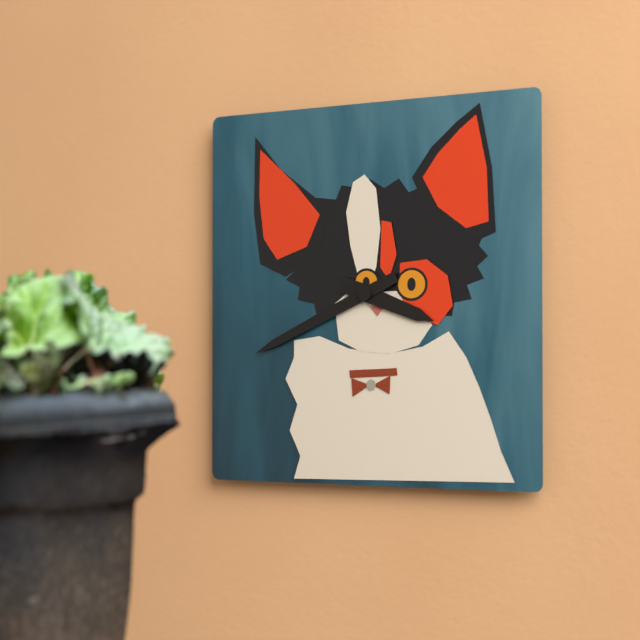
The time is 3,41
